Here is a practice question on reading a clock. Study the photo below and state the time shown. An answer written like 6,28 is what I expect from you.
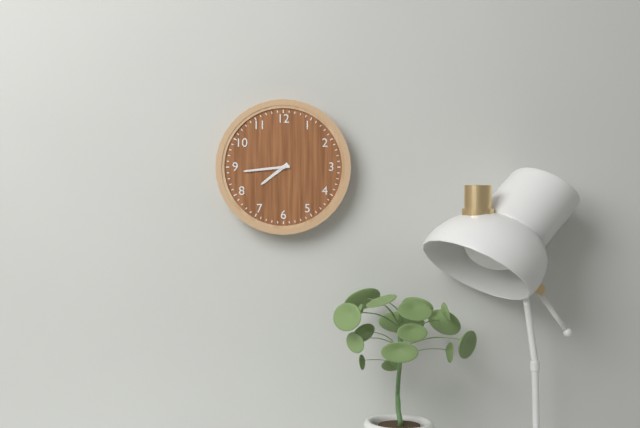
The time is 7,44
